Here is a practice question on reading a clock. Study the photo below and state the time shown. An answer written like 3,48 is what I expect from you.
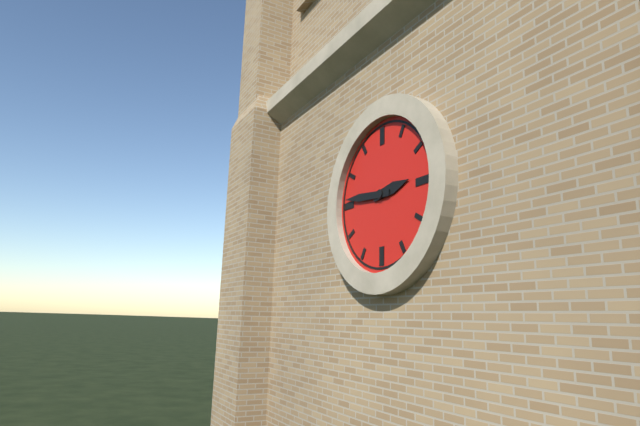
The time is 2,46
